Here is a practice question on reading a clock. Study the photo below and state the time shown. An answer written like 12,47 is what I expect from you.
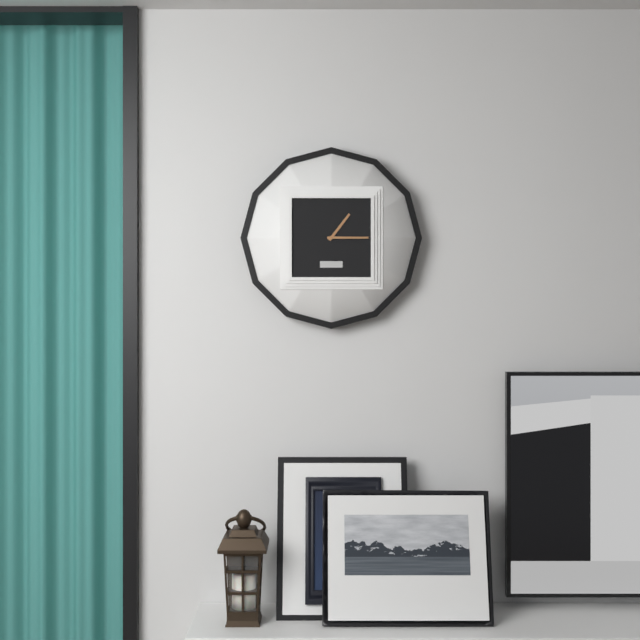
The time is 1,15
